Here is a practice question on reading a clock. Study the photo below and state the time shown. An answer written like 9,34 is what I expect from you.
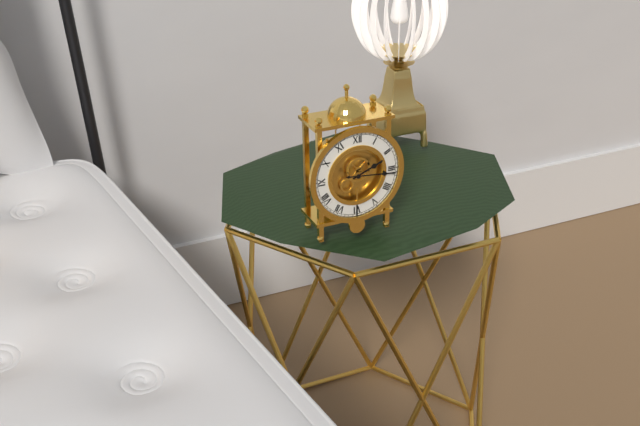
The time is 2,16
